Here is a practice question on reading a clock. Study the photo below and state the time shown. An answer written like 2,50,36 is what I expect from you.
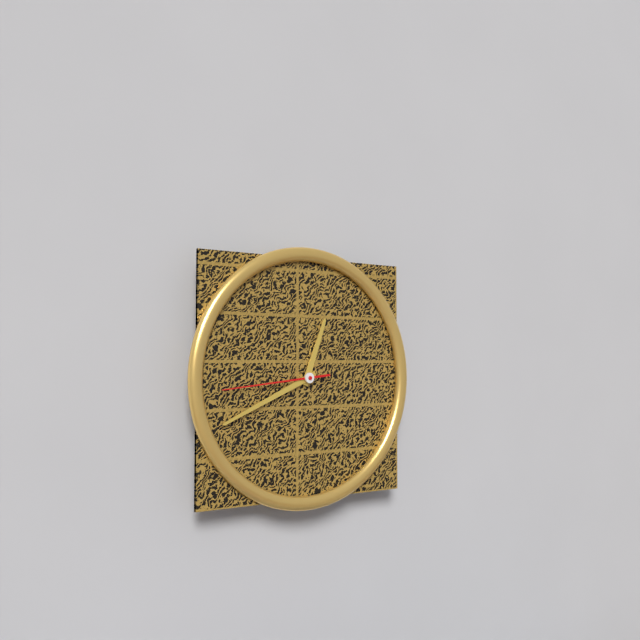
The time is 12,41,44
